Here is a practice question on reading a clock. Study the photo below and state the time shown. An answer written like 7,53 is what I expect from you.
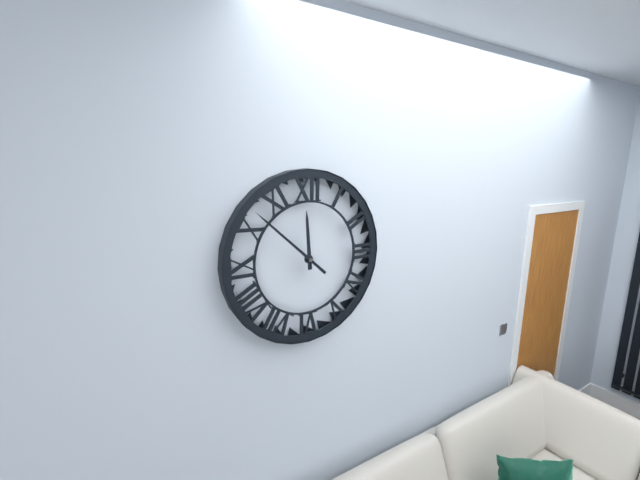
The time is 11,52
